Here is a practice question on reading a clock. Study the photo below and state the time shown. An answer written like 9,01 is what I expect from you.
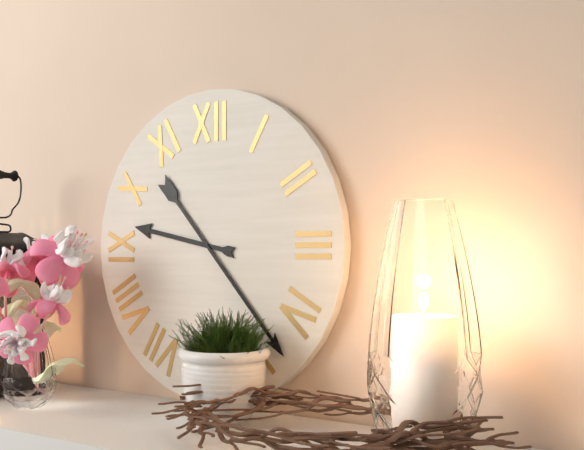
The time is 9,23
